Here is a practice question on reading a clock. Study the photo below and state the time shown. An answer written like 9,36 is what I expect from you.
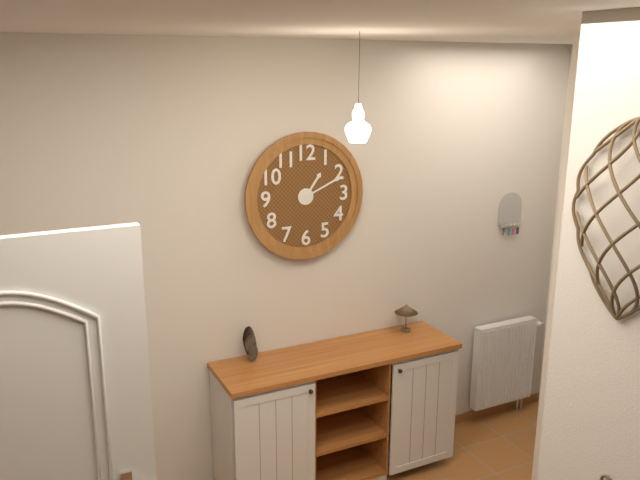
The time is 1,11
